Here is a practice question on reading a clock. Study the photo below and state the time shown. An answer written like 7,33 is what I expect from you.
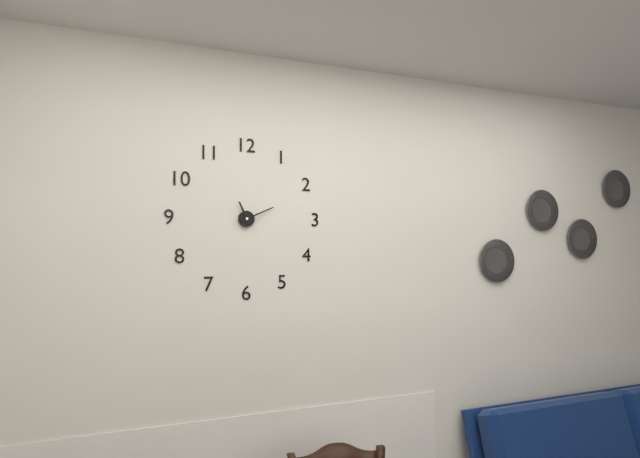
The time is 11,11
